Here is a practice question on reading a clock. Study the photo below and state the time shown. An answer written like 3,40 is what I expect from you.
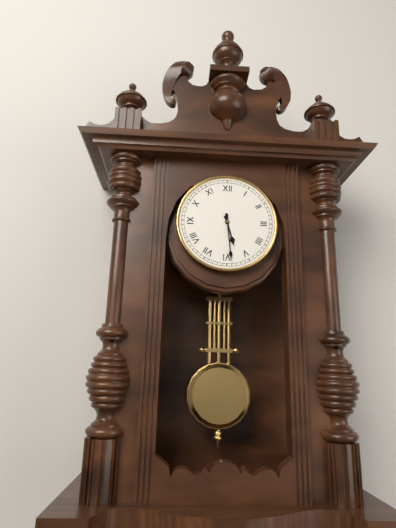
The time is 5,29
